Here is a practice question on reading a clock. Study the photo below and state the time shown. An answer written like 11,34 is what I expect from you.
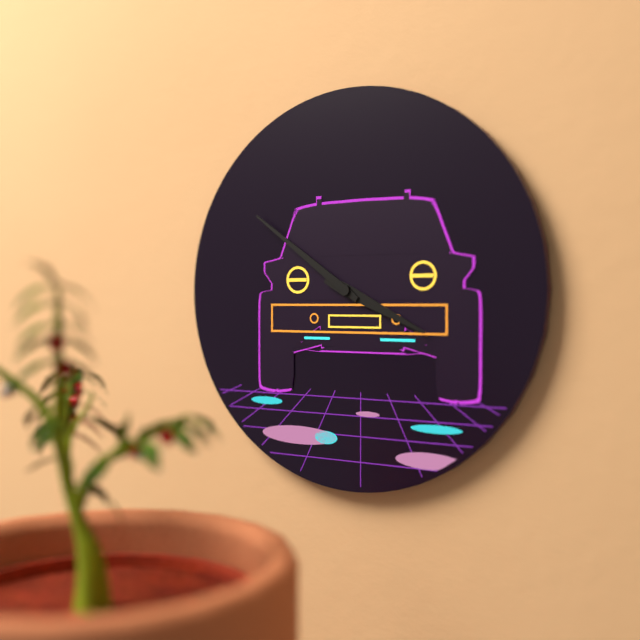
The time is 3,51
